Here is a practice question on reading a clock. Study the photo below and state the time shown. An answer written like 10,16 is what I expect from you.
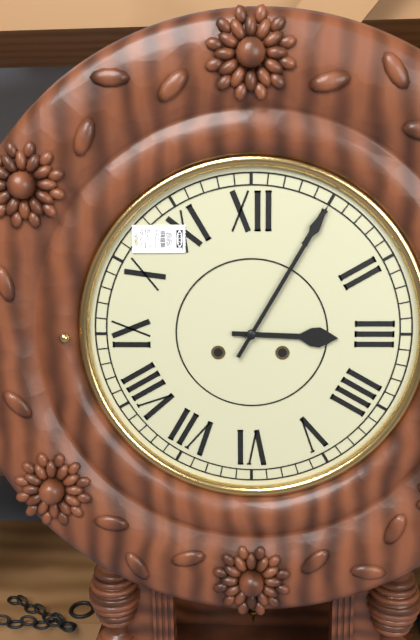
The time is 3,05
